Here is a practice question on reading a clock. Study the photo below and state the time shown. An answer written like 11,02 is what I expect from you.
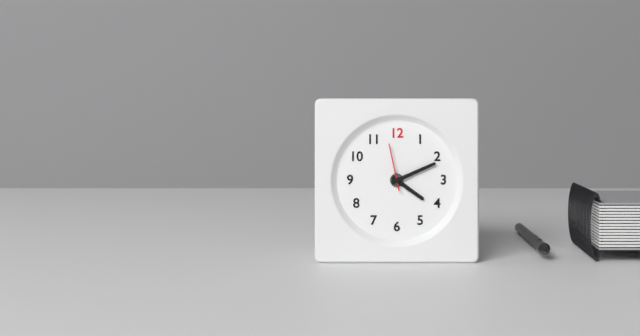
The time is 4,11
